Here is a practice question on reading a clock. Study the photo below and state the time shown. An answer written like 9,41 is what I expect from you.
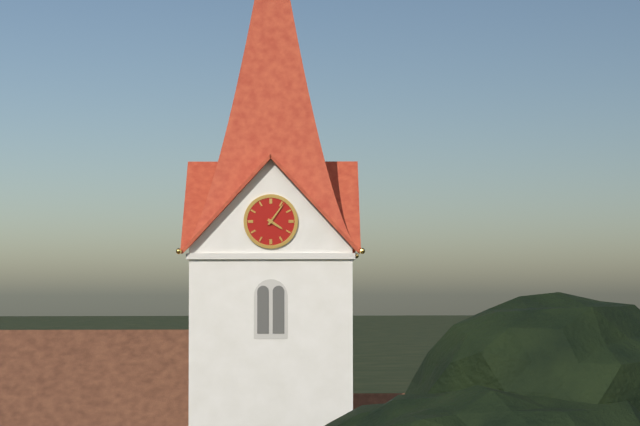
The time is 4,06
